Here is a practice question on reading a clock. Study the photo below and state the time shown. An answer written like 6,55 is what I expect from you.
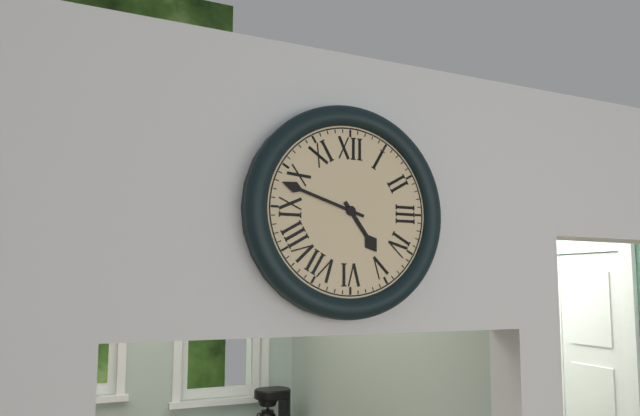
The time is 4,48
